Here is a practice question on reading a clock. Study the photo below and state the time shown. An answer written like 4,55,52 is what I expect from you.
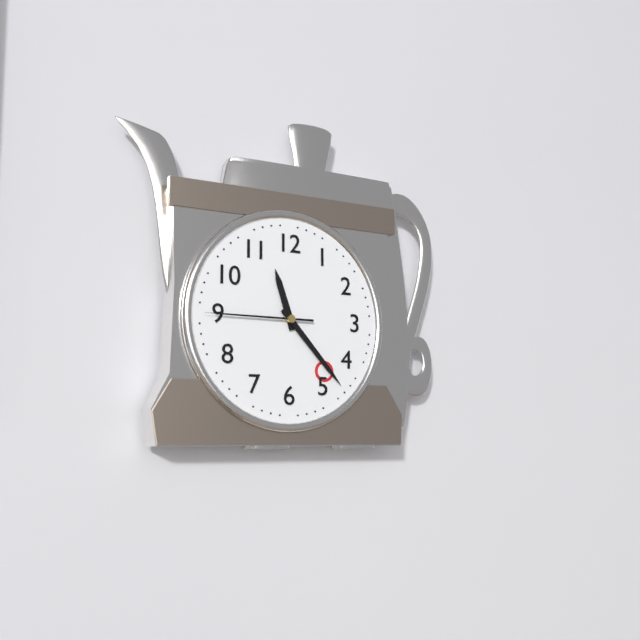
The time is 11,23,45
